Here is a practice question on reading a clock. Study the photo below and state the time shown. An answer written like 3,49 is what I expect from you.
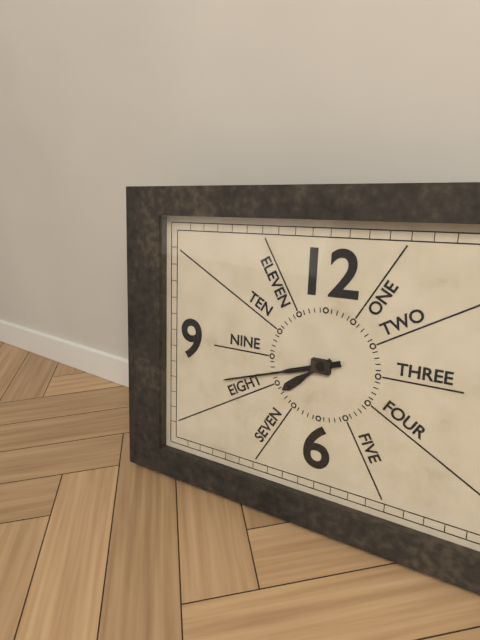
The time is 7,42
